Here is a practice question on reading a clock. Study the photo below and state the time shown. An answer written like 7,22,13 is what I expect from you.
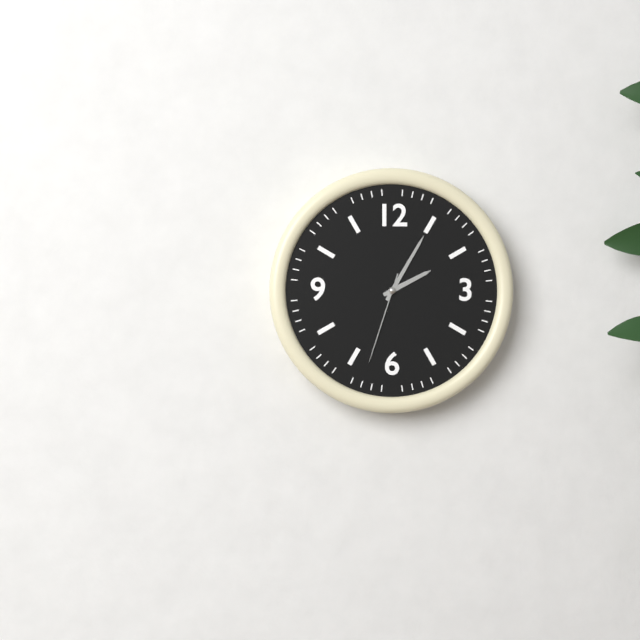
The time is 2,05,33
